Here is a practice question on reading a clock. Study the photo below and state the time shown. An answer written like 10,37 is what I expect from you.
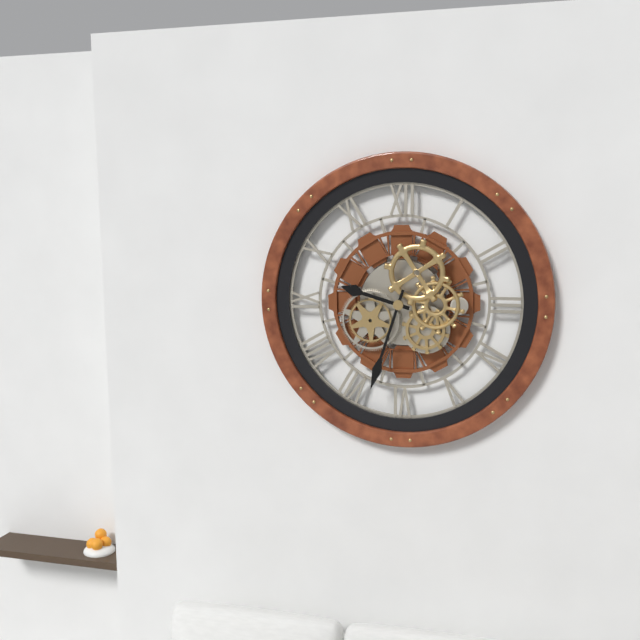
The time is 9,33
